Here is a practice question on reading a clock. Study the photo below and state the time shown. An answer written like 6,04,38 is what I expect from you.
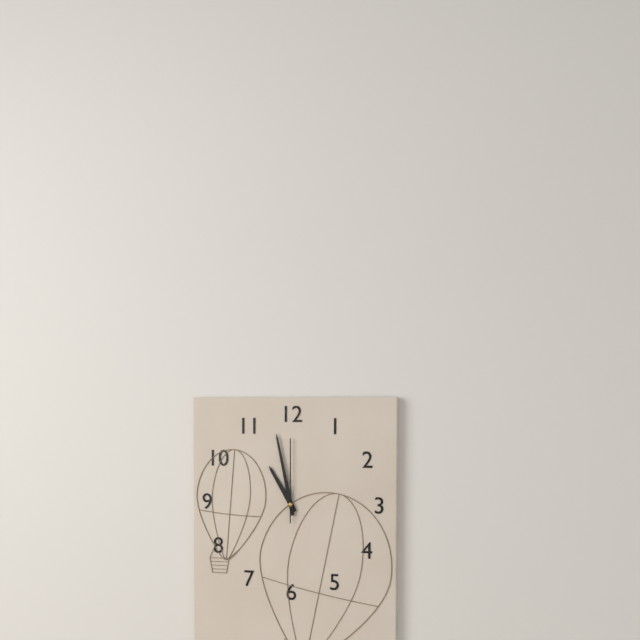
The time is 10,58,00
